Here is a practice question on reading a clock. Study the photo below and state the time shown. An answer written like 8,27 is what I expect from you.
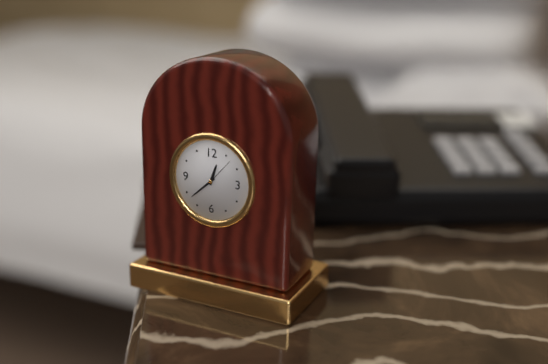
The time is 12,38
